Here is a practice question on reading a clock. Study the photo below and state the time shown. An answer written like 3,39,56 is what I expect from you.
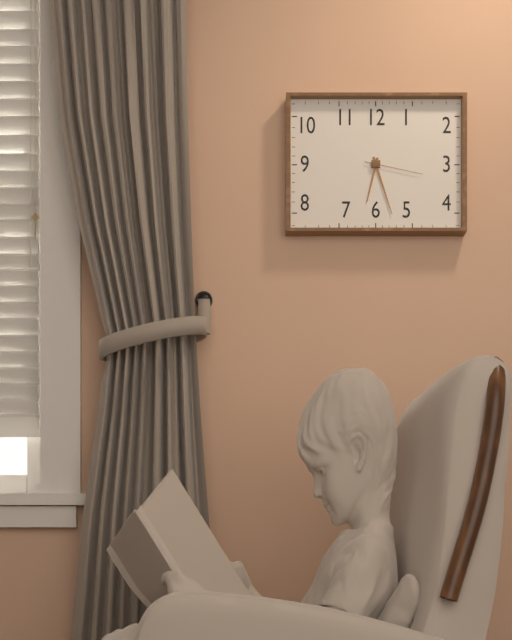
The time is 6,27,17
